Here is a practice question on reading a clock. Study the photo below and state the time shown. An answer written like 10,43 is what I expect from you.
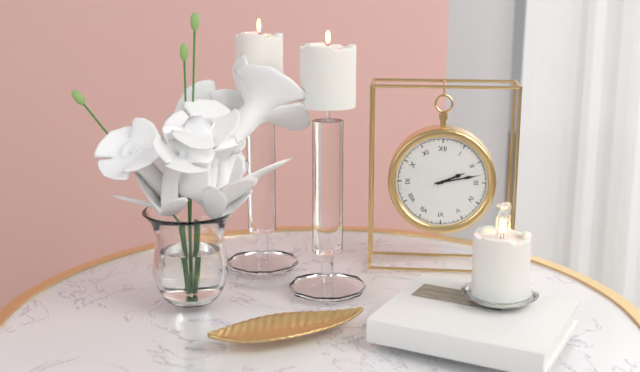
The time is 2,13
